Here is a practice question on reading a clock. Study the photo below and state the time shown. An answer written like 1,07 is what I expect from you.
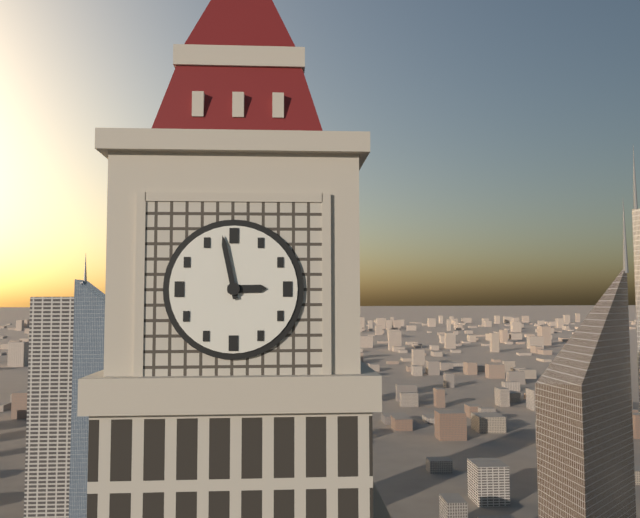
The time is 2,58
